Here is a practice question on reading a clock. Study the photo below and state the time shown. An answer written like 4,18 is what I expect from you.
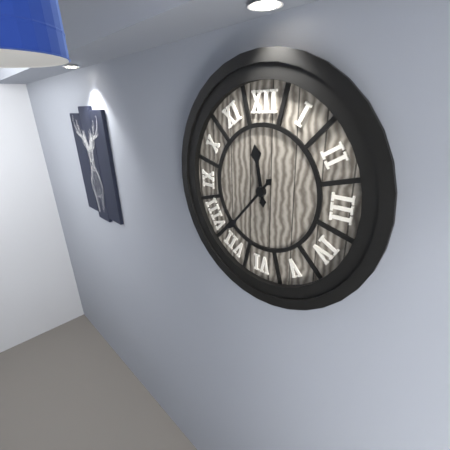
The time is 11,37
